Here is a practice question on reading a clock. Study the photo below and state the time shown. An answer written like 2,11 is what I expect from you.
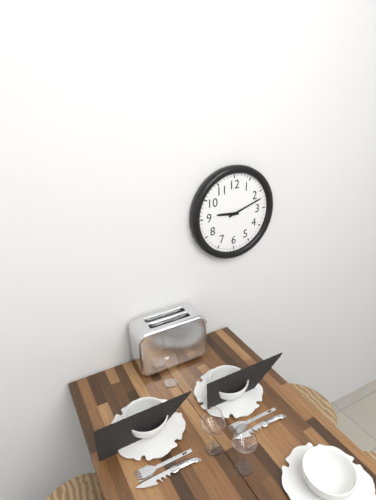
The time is 9,12
